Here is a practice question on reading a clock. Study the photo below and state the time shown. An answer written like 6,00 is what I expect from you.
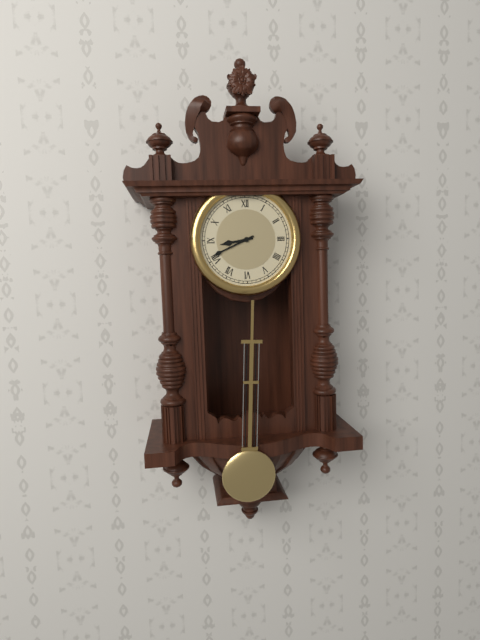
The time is 8,41
